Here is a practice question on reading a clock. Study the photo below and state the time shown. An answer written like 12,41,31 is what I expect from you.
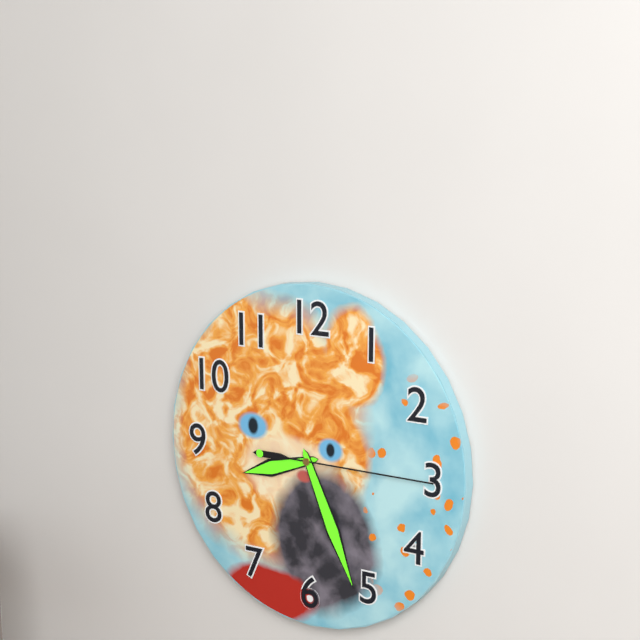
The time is 8,26,15
